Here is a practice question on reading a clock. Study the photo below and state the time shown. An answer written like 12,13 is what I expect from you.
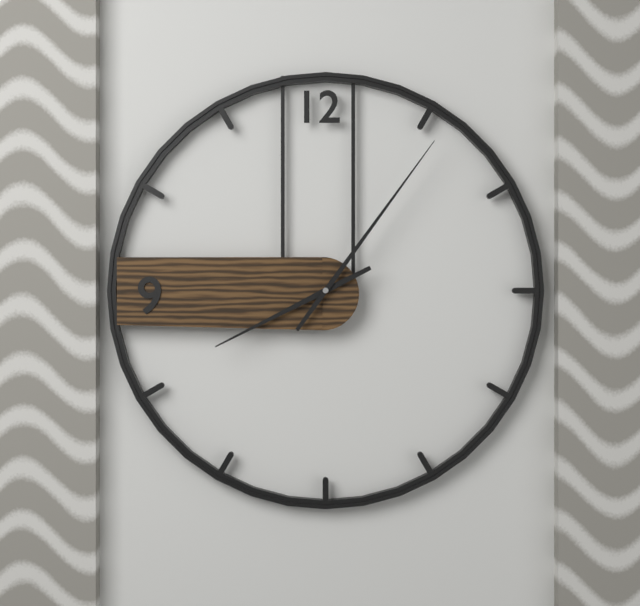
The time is 8,06
